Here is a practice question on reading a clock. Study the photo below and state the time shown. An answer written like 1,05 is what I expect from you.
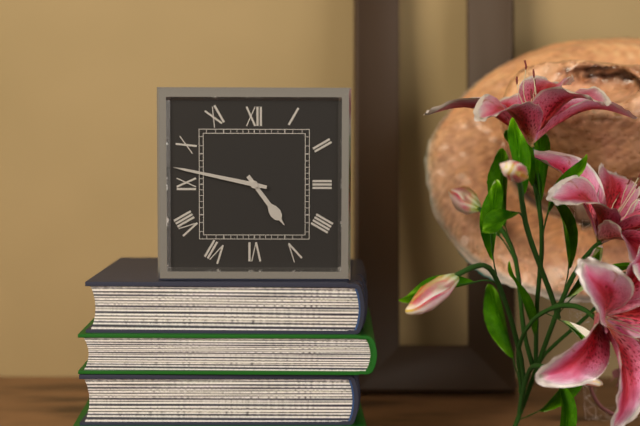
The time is 4,47
